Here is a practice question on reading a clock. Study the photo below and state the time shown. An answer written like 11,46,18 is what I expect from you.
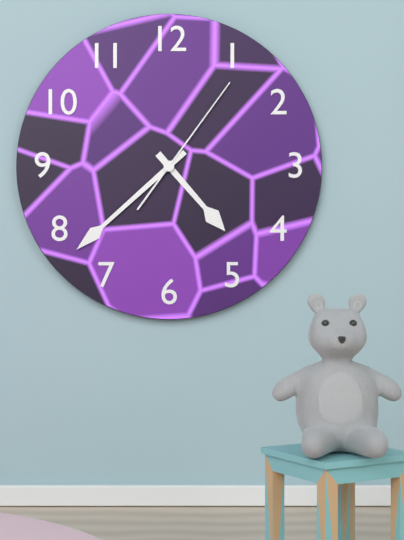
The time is 4,38,06
